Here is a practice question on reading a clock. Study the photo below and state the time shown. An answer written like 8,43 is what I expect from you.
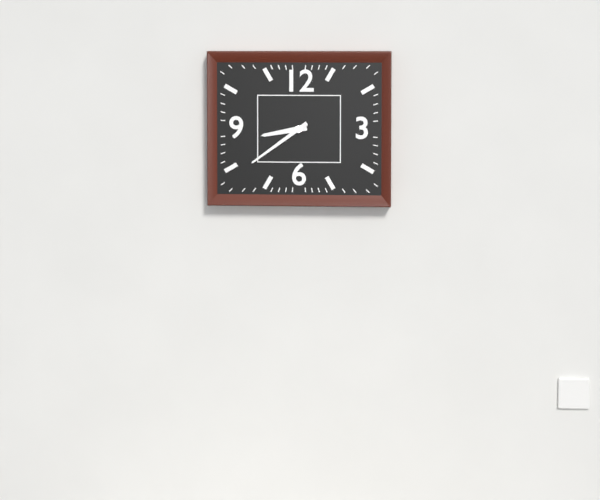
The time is 8,39
